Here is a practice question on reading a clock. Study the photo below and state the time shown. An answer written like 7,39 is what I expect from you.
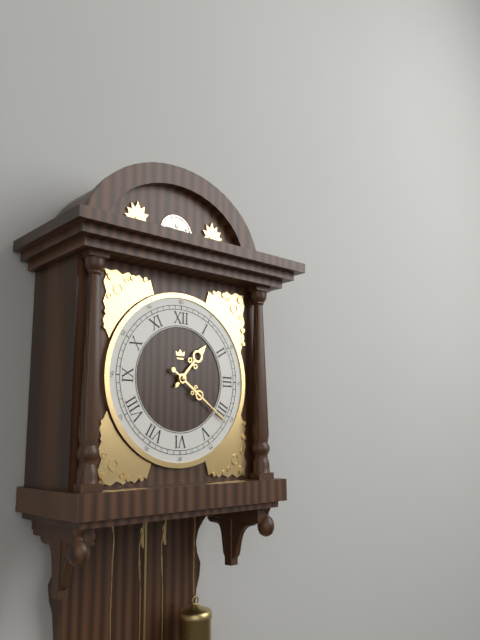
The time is 1,21
